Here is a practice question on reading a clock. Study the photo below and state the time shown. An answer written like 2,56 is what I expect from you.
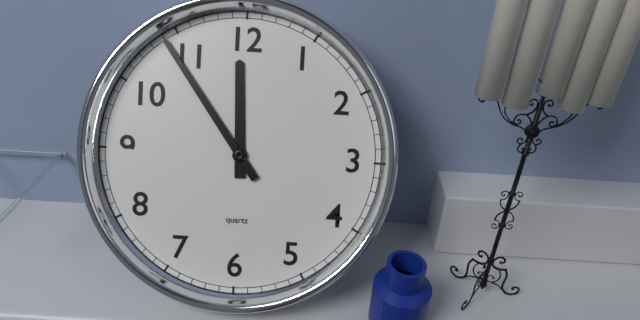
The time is 11,54
